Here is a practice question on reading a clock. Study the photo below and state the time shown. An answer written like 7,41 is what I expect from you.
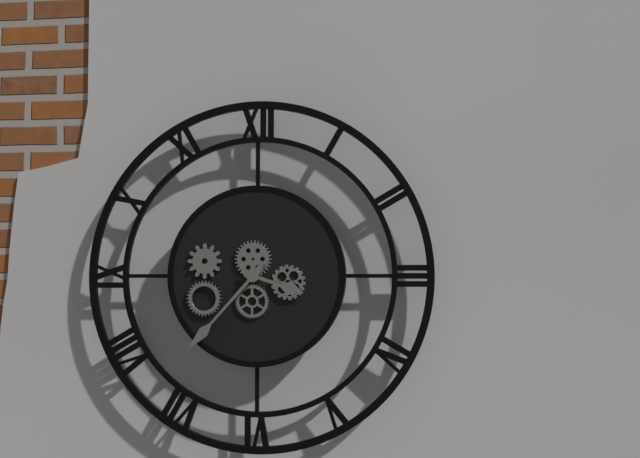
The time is 3,37
